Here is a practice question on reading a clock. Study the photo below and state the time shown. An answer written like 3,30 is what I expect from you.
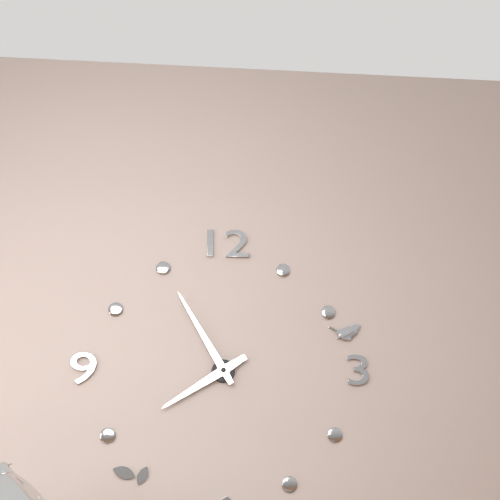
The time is 7,55
